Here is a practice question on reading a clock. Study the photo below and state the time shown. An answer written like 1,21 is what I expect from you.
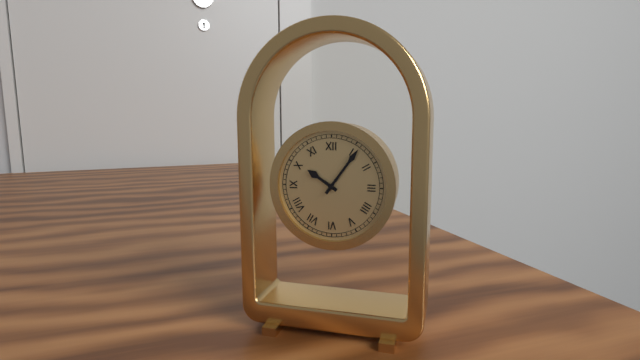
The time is 10,06
